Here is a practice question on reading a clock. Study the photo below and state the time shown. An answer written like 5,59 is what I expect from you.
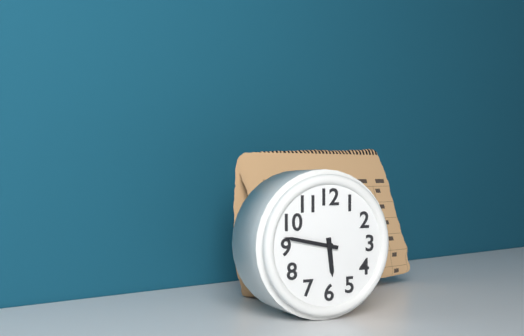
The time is 5,47
